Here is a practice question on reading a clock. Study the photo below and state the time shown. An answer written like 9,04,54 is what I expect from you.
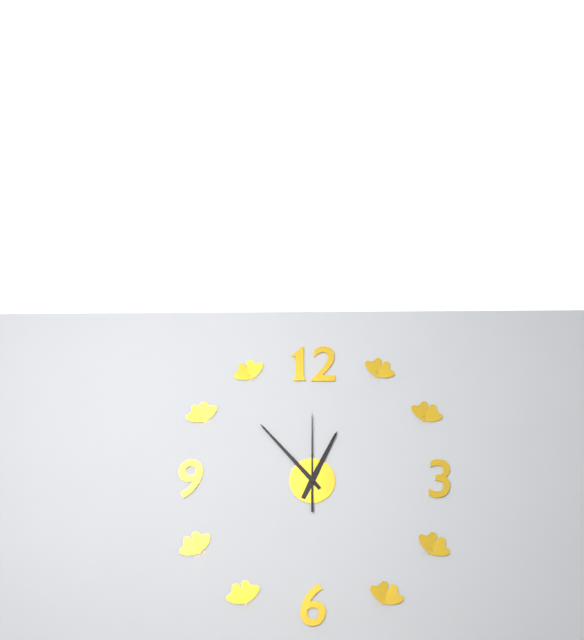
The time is 12,53,00
